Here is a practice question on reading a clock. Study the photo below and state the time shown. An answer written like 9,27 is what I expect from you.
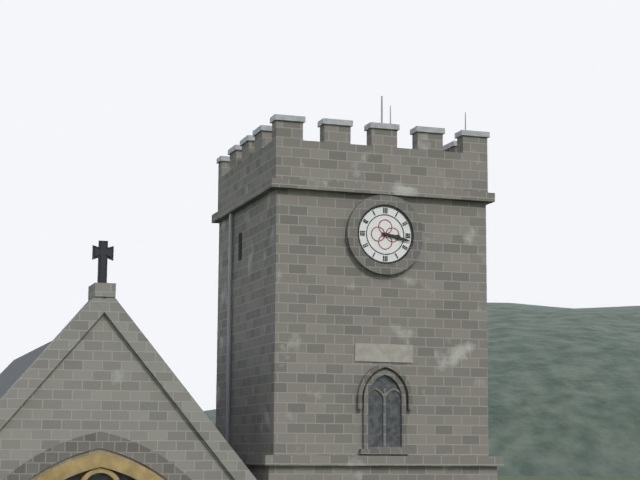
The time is 3,17
